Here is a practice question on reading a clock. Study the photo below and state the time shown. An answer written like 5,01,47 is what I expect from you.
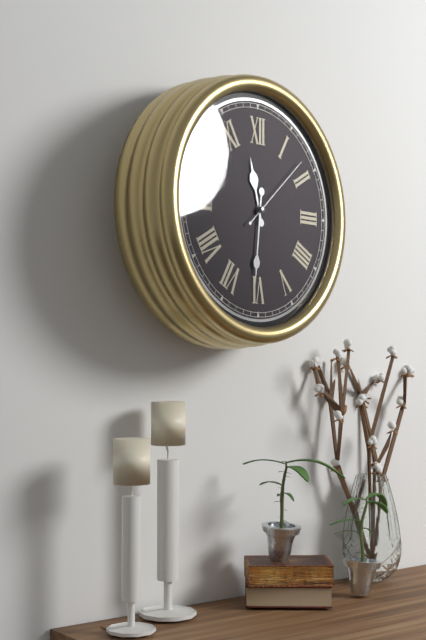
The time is 11,31,08
